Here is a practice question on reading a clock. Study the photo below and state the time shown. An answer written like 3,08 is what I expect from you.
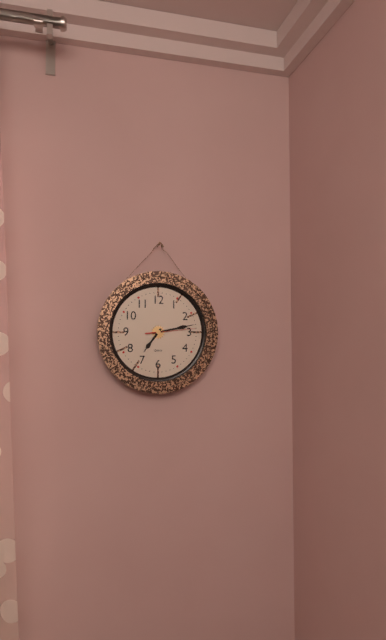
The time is 7,13
